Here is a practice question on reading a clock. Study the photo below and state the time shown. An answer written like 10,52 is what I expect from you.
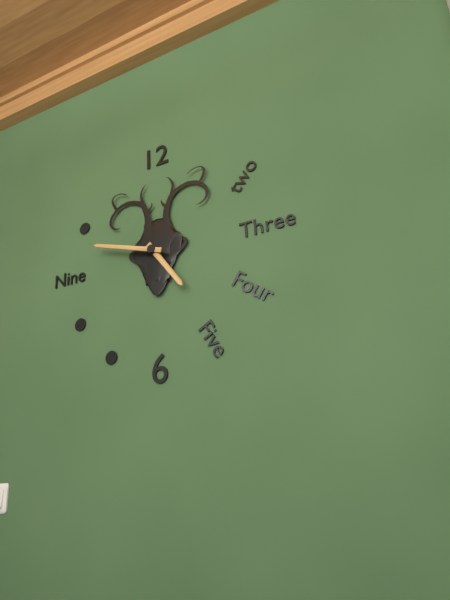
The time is 4,48
